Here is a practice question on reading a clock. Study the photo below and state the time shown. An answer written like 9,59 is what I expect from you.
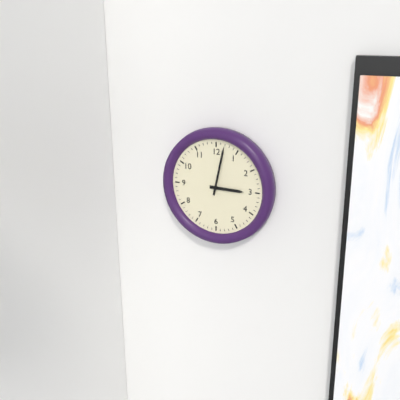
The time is 3,02
